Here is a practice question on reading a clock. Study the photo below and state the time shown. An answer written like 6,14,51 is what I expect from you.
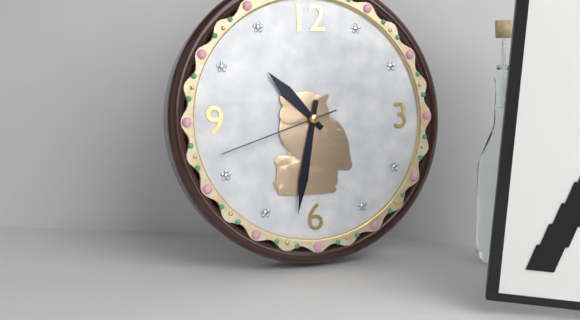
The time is 10,32,42
